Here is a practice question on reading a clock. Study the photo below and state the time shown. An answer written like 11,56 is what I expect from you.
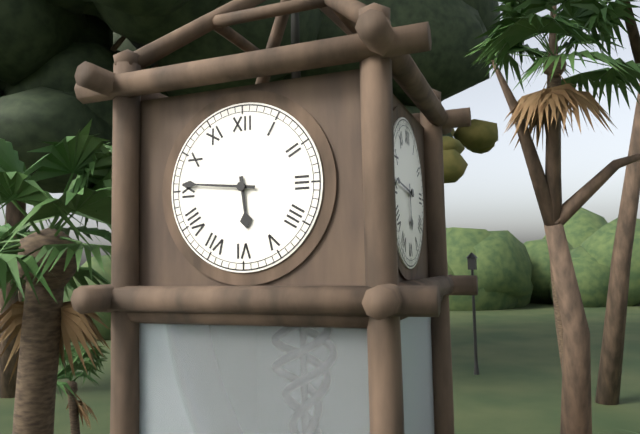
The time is 5,46
